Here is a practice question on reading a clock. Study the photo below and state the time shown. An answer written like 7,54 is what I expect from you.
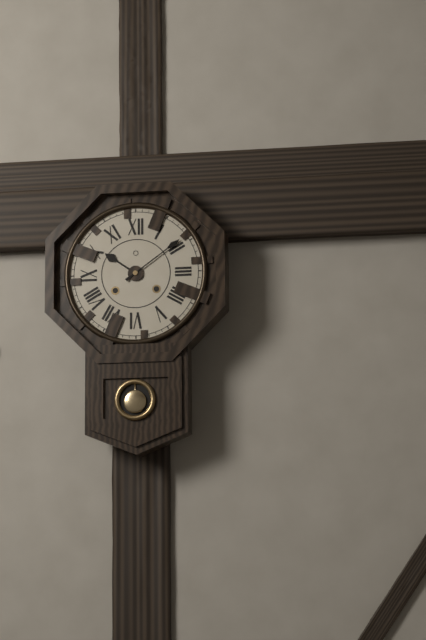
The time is 10,09
